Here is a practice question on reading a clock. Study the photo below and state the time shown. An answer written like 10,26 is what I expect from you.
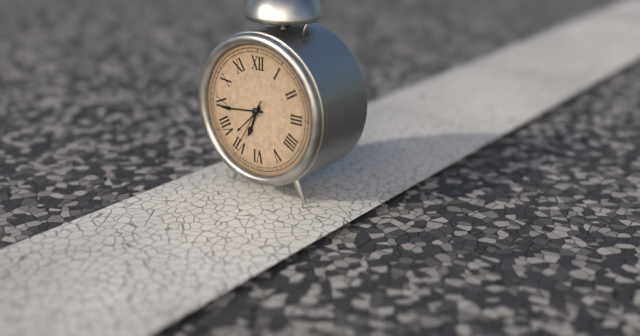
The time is 6,44
